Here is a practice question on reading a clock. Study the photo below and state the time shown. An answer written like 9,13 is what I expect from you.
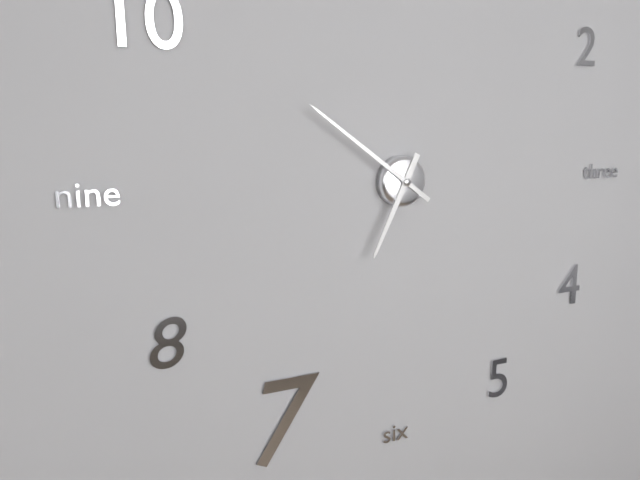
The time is 6,51
